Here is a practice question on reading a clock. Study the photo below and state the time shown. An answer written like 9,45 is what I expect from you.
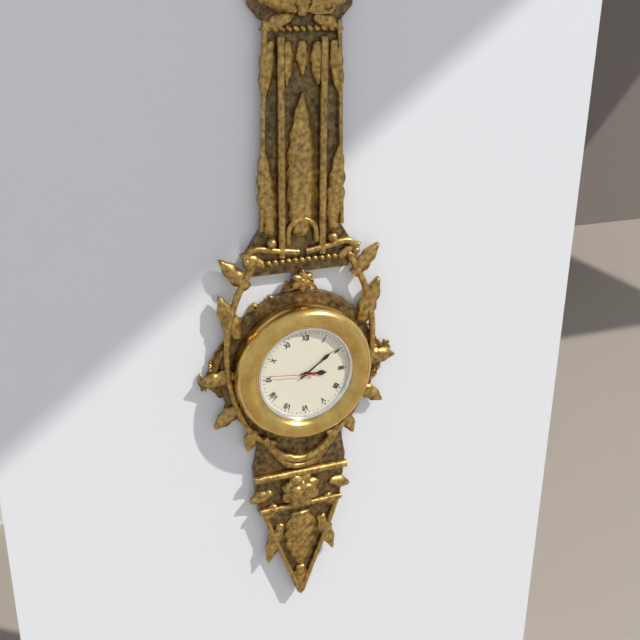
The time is 3,09
